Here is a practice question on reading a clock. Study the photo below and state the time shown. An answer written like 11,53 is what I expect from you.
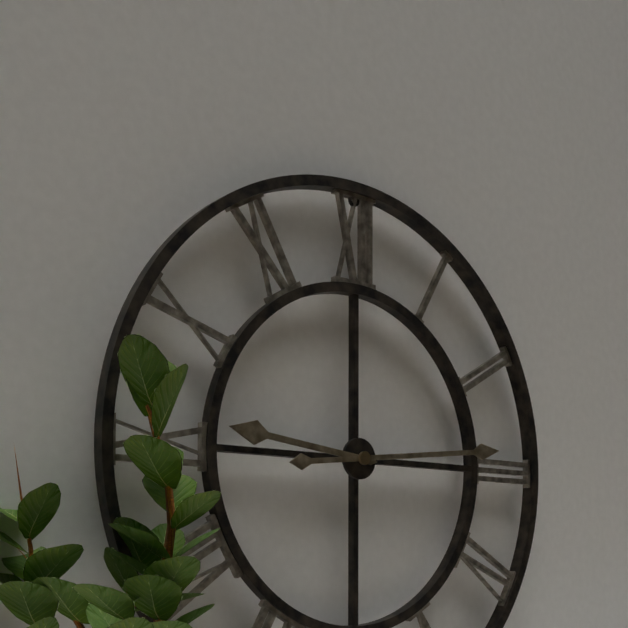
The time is 9,14
